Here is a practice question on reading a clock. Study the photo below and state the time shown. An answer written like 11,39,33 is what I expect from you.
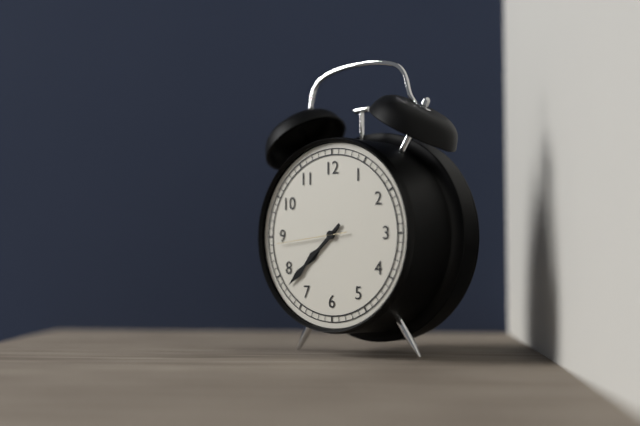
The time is 7,38,44
